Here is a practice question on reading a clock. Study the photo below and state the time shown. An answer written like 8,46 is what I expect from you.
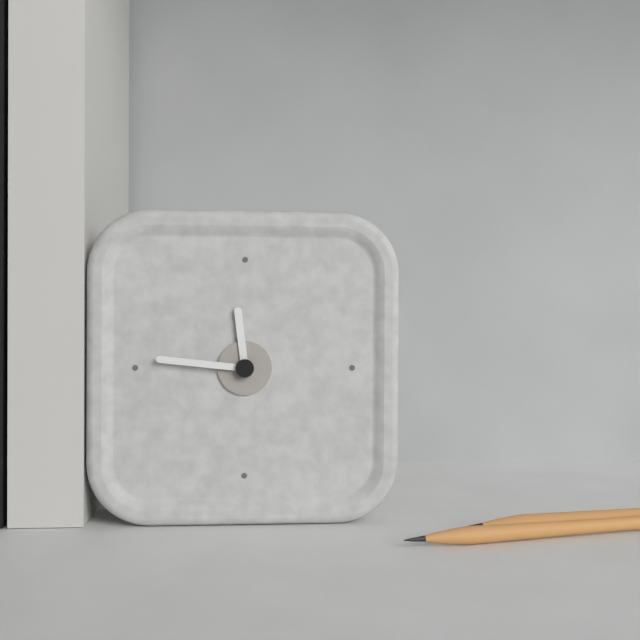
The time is 11,46
